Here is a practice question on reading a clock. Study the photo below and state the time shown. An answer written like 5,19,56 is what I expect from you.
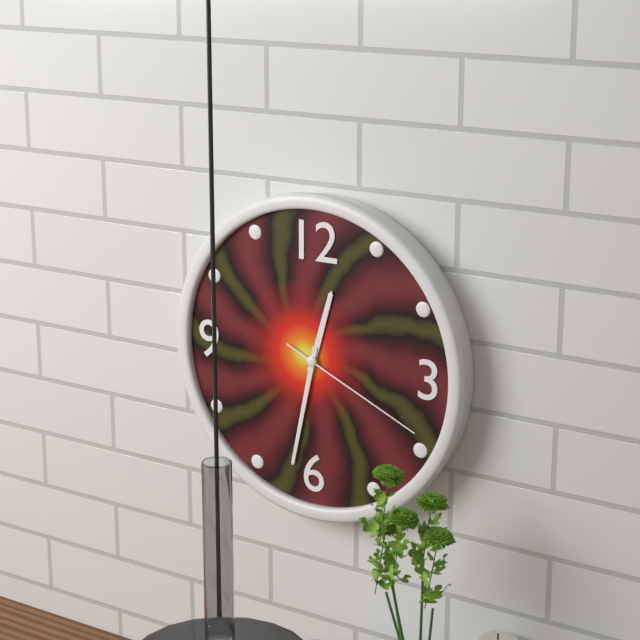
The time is 12,32,19
